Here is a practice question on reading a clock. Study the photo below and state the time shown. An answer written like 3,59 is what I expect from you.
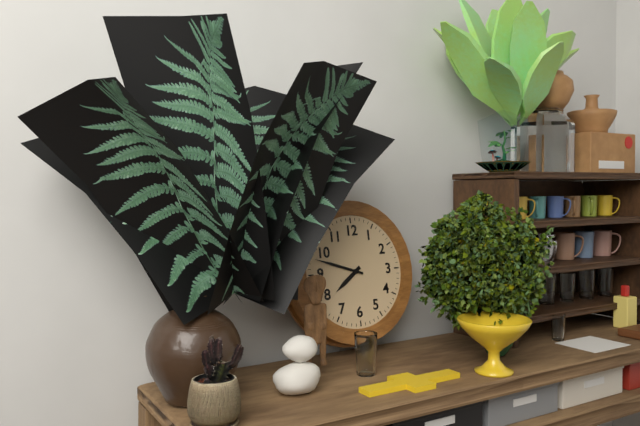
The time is 7,48
